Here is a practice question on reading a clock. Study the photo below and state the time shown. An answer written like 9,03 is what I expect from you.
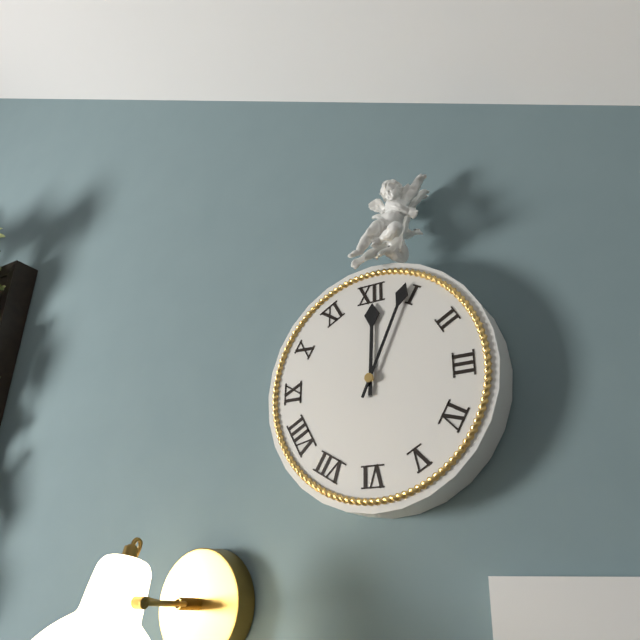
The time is 12,04
